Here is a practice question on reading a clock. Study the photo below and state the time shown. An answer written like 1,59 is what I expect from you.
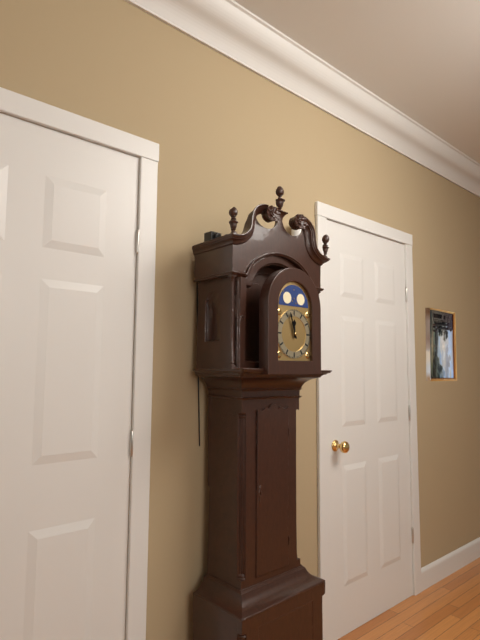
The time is 11,57
